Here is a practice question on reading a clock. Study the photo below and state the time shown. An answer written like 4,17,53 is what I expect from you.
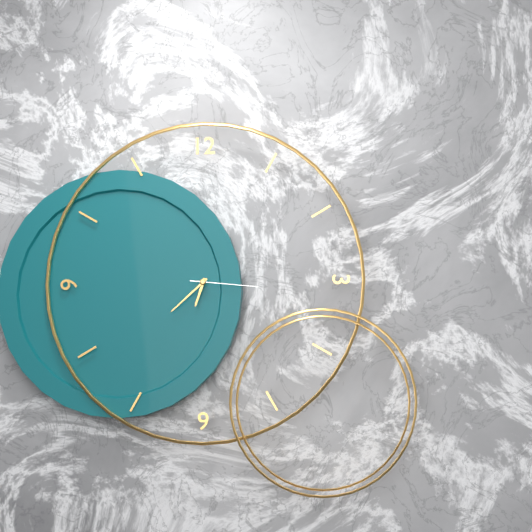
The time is 6,38,16
